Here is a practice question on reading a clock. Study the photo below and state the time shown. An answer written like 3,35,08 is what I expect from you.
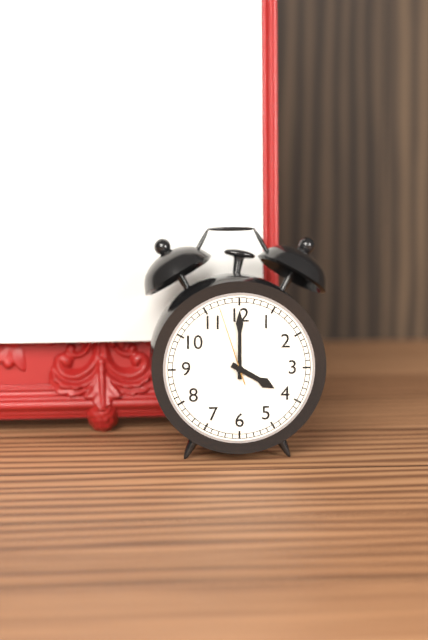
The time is 4,00,57
